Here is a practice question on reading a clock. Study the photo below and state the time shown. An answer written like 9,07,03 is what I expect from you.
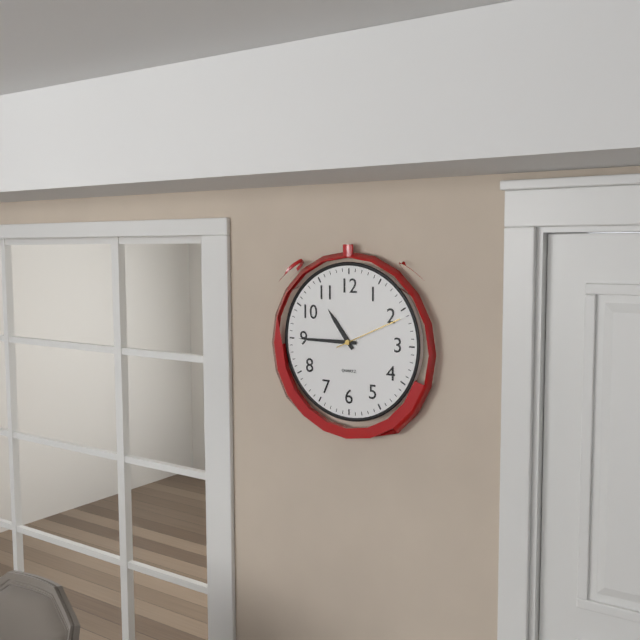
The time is 10,45,11
